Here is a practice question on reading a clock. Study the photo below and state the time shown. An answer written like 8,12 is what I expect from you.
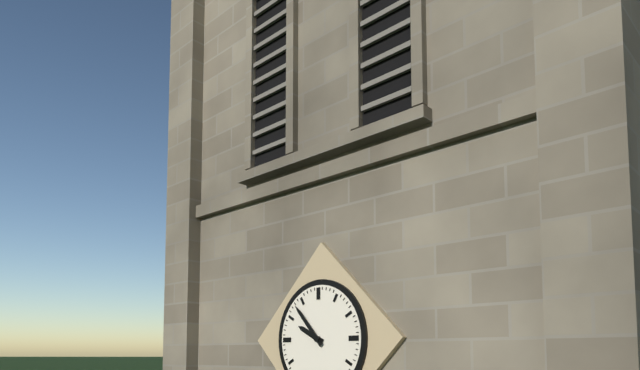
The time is 9,53
